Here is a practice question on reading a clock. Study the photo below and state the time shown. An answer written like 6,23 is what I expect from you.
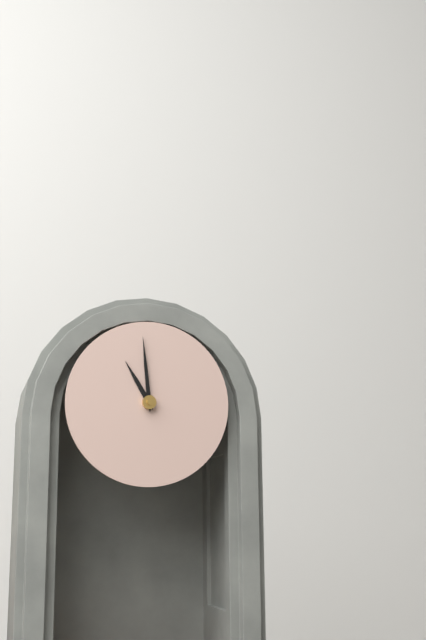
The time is 10,59
